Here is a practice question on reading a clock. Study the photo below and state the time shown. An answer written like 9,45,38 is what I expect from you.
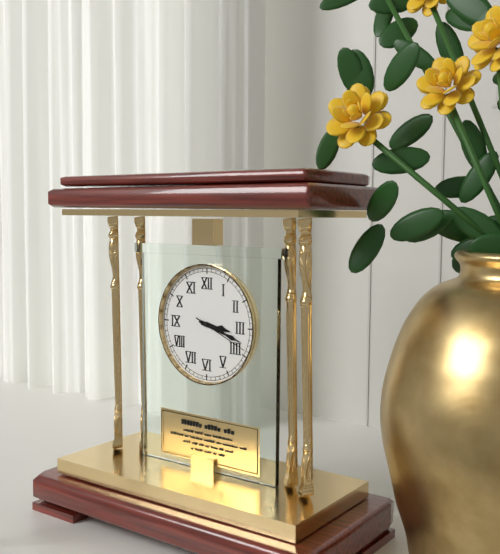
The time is 3,18,19
